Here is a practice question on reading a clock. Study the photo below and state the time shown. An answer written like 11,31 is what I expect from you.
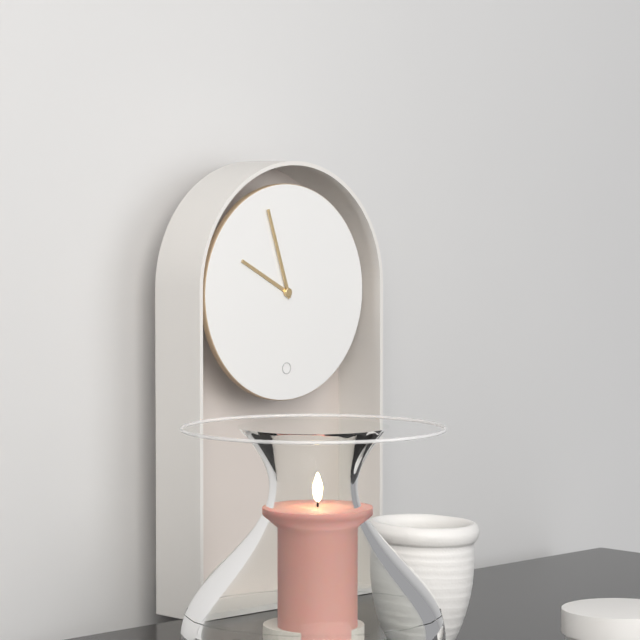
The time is 9,57
